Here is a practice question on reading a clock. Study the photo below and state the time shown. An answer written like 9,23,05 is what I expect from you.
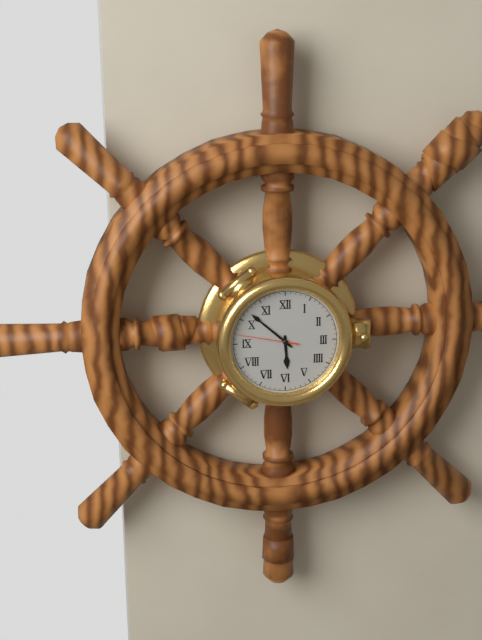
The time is 5,52,47
